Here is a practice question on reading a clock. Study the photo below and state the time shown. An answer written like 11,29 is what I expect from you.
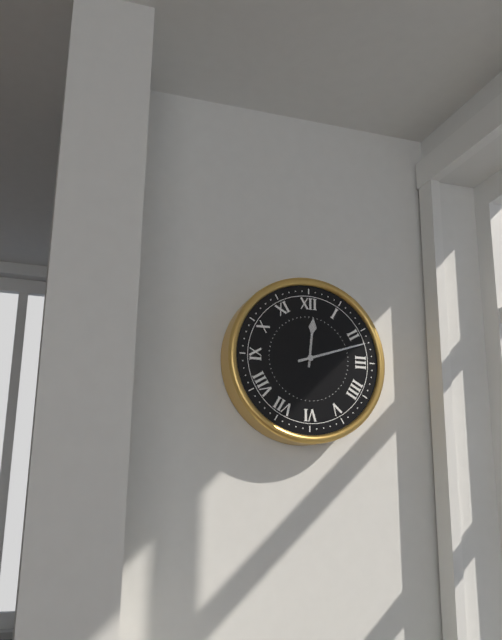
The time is 12,12
